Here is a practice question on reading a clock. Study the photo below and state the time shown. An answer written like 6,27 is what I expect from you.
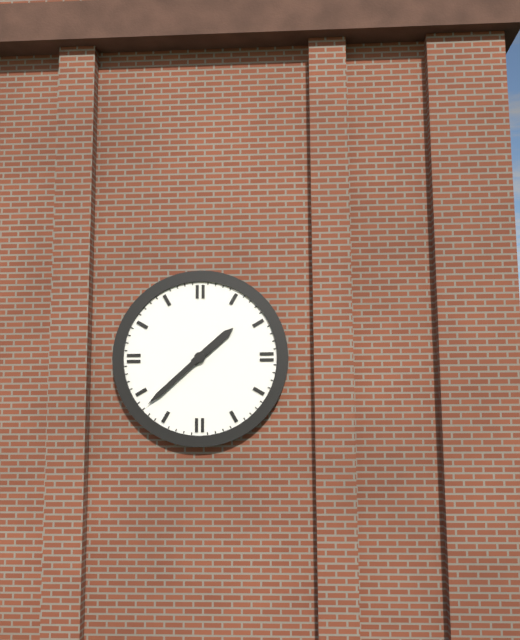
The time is 1,38
